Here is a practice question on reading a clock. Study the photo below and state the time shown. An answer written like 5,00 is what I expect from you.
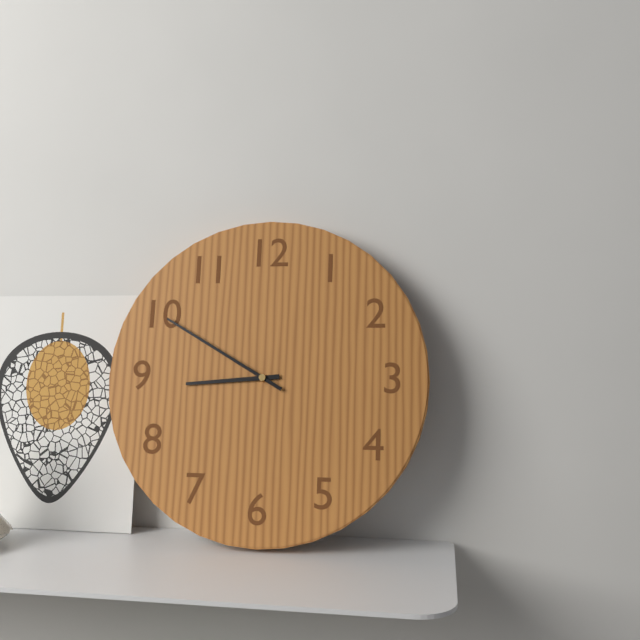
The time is 8,50
